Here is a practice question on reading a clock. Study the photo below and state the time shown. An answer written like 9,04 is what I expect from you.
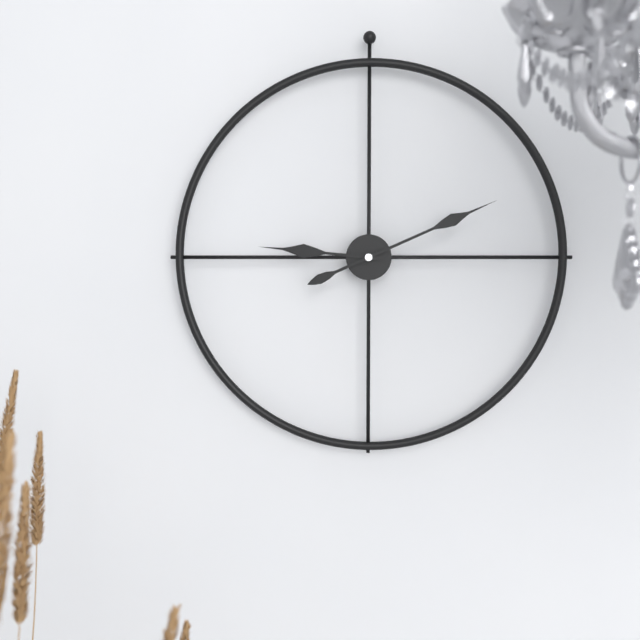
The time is 9,11
